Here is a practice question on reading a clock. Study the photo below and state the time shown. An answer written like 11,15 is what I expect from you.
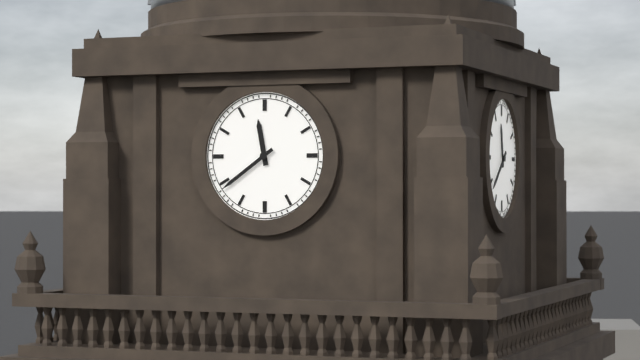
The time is 11,39
